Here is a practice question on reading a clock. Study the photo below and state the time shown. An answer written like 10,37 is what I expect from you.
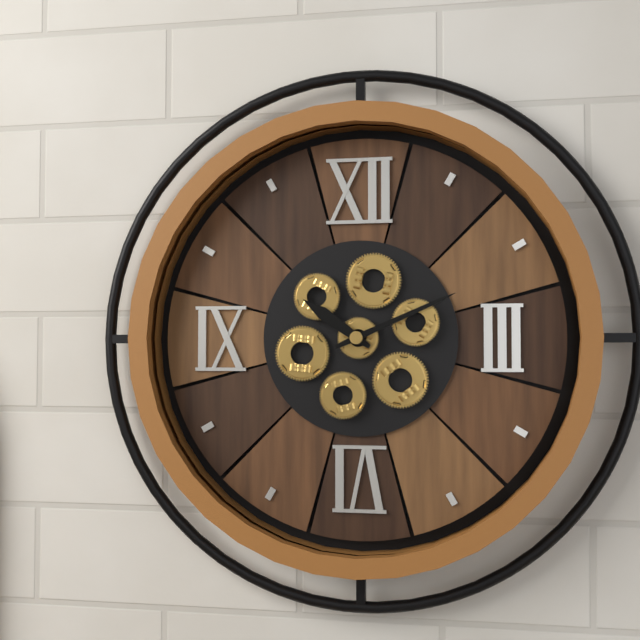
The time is 10,11
